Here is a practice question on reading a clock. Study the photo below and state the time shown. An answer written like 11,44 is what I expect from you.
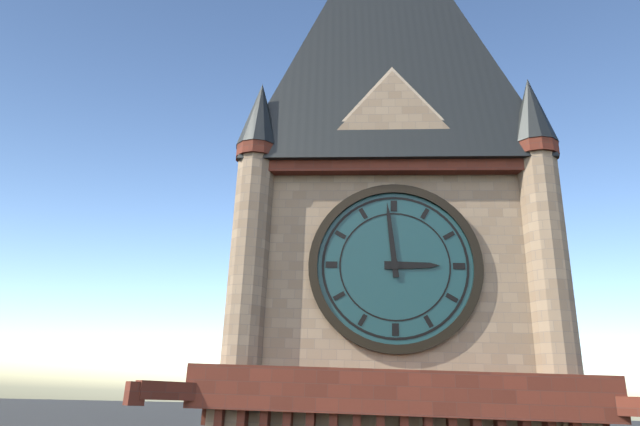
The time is 2,59
